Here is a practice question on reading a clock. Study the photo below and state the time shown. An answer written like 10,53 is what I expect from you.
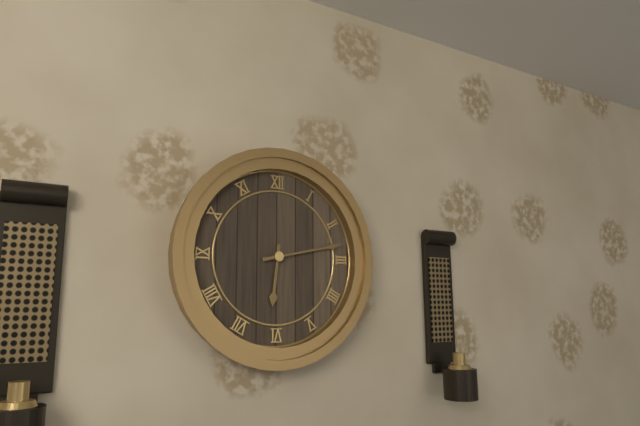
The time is 6,13
